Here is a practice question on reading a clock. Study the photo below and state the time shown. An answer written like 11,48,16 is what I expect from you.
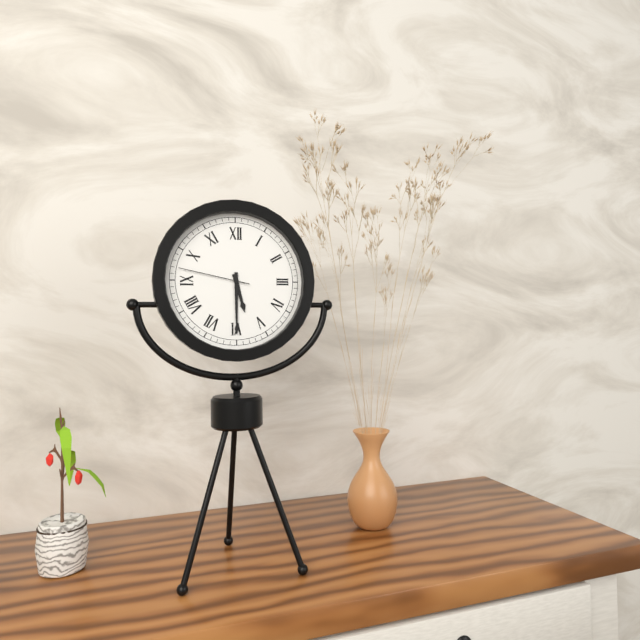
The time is 5,30,47
